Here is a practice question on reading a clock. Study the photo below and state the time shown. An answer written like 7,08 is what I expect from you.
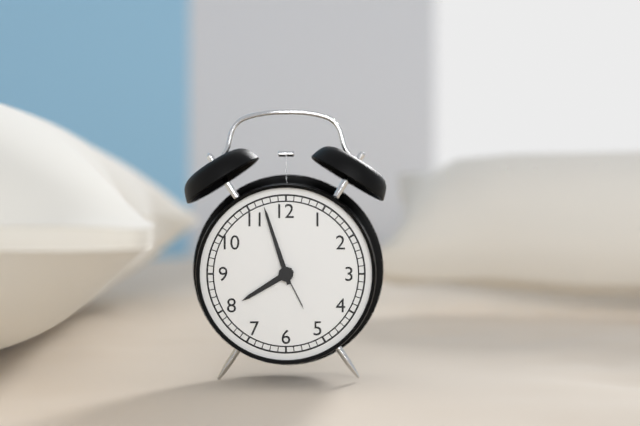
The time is 7,57
